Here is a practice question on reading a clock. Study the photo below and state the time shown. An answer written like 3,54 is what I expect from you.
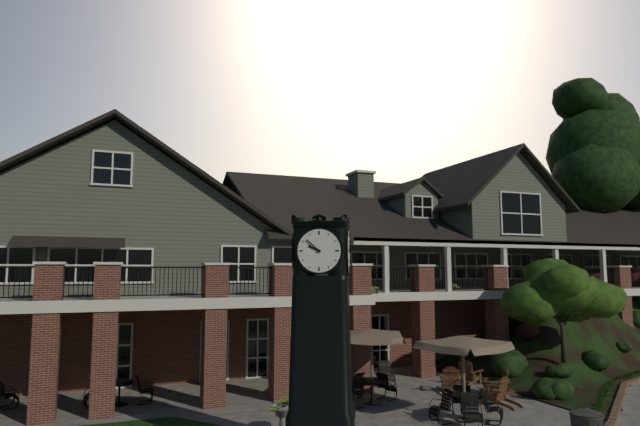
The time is 9,52
